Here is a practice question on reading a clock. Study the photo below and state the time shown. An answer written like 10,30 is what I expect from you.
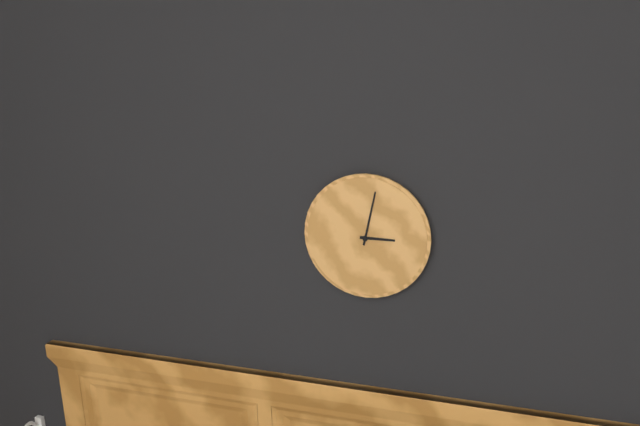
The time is 3,02
